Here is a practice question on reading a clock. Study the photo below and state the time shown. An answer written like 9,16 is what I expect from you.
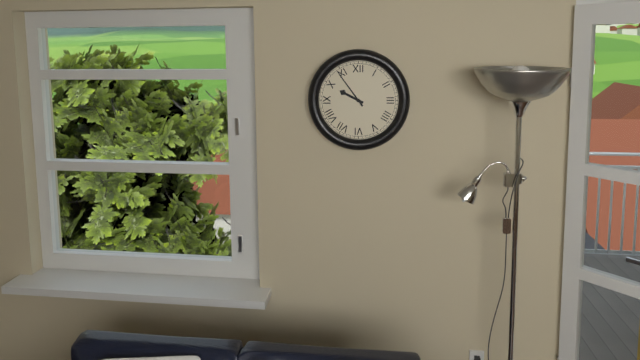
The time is 9,54
